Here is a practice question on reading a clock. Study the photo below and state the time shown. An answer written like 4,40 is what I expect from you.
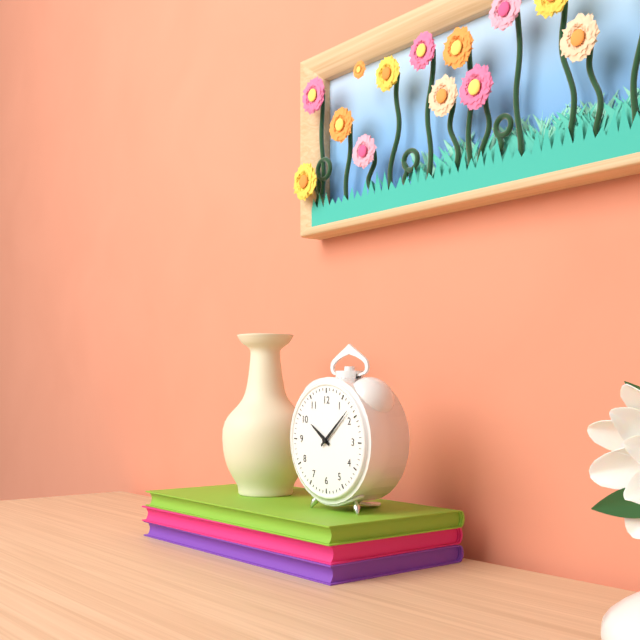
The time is 10,08
